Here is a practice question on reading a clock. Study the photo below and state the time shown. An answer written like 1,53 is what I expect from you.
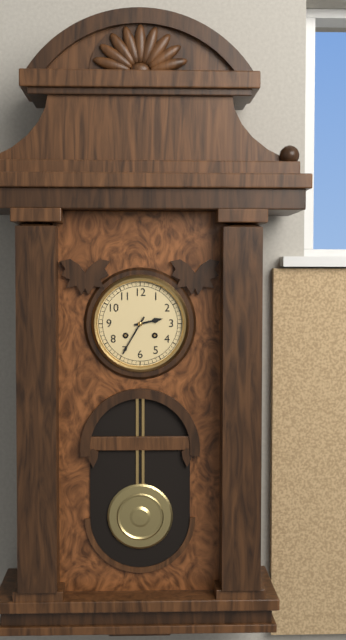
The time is 2,35
